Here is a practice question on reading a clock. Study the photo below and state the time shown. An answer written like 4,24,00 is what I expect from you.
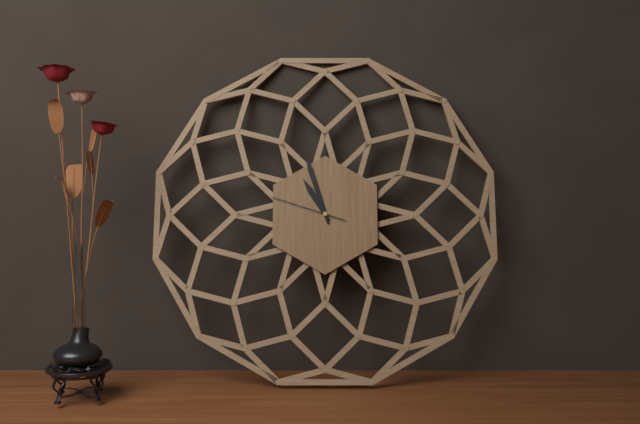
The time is 10,57,48
